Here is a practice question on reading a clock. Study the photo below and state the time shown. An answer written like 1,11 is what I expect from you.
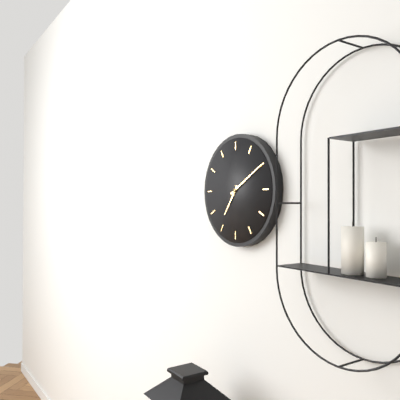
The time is 7,10
